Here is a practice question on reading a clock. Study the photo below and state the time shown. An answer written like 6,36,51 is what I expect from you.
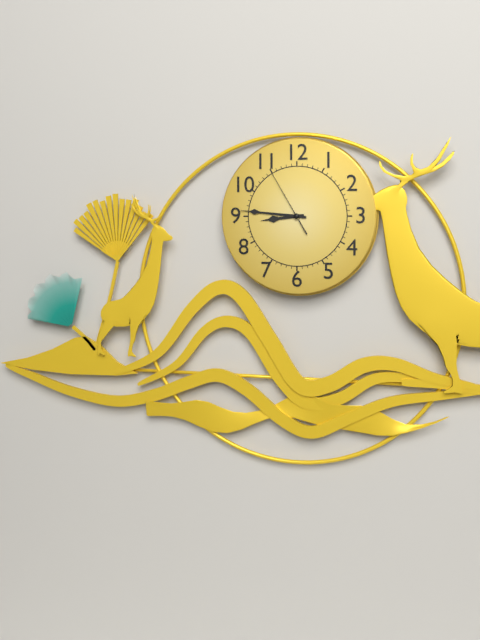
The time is 8,46,55
